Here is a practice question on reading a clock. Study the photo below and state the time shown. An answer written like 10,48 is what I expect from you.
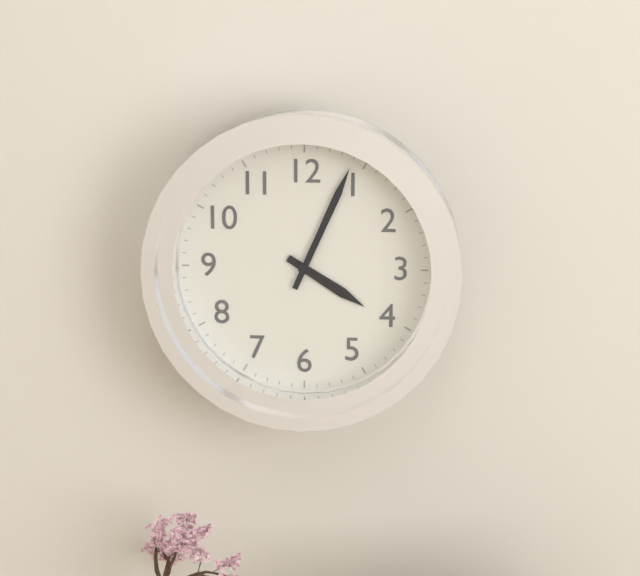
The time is 4,04
